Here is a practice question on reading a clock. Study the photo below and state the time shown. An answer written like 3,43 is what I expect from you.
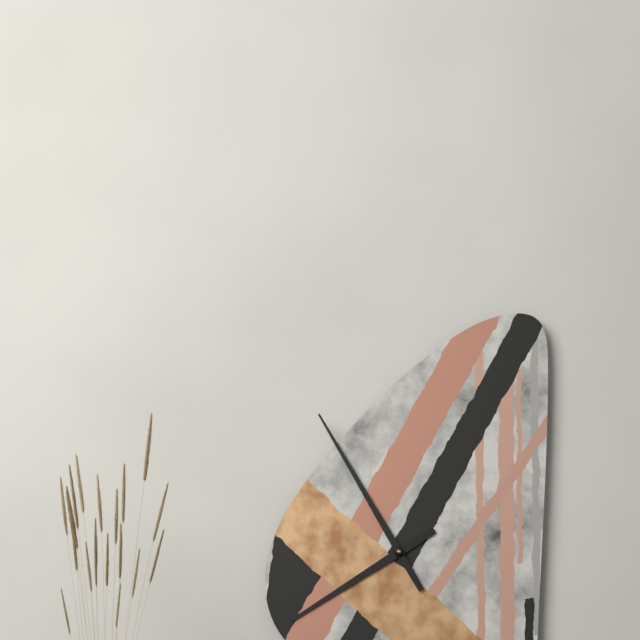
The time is 7,55
